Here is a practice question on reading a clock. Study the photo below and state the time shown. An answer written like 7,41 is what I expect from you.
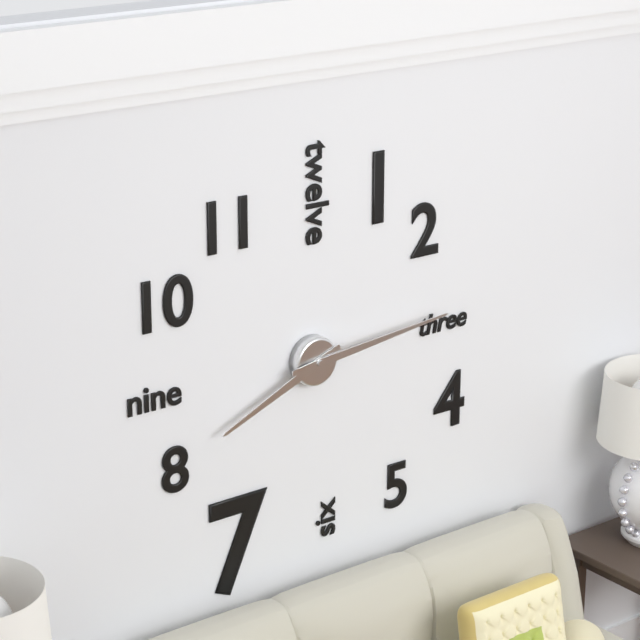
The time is 8,14
